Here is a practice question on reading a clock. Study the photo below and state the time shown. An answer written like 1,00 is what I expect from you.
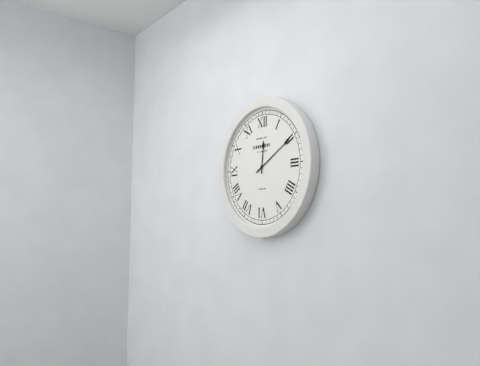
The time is 12,10
